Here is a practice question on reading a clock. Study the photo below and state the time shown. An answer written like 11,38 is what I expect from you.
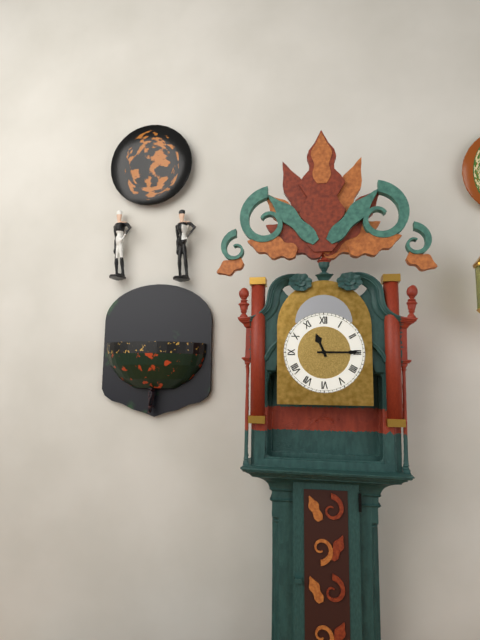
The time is 11,15
